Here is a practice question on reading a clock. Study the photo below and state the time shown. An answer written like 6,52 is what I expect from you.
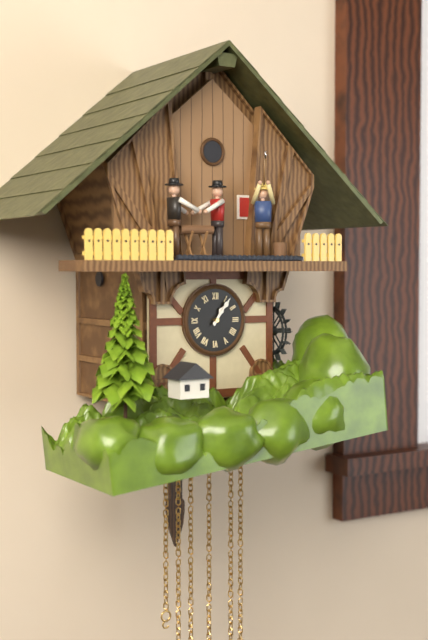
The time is 1,06
